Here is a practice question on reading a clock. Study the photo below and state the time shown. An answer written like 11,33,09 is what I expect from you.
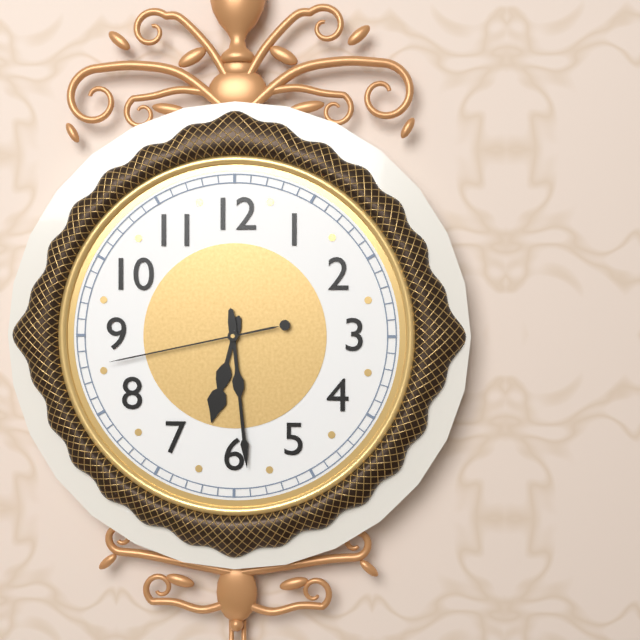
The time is 6,29,43
